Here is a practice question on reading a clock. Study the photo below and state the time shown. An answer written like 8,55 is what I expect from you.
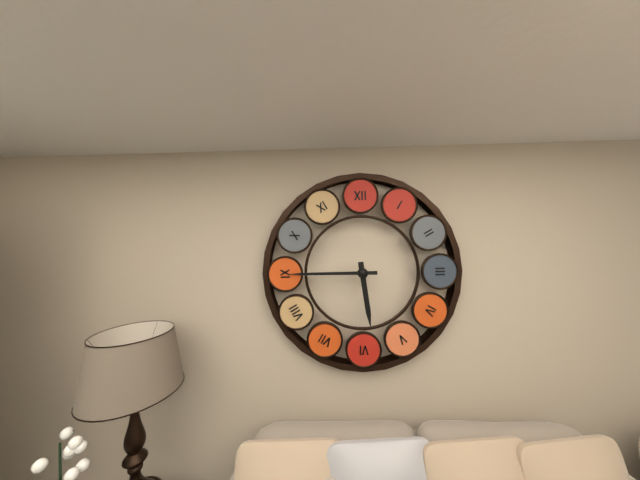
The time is 5,45
